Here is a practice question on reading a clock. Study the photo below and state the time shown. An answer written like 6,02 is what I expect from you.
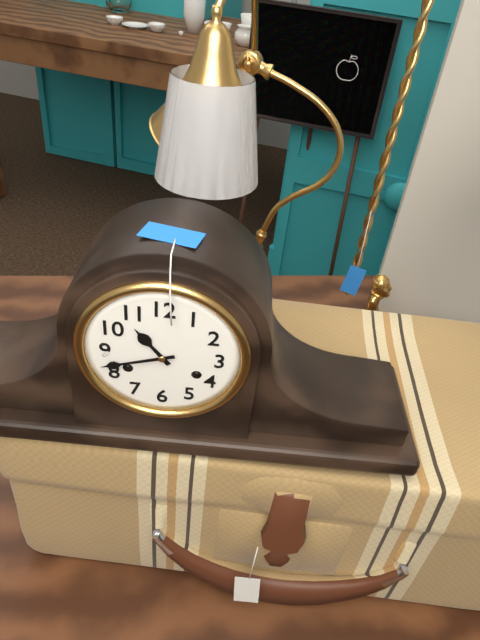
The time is 10,42
